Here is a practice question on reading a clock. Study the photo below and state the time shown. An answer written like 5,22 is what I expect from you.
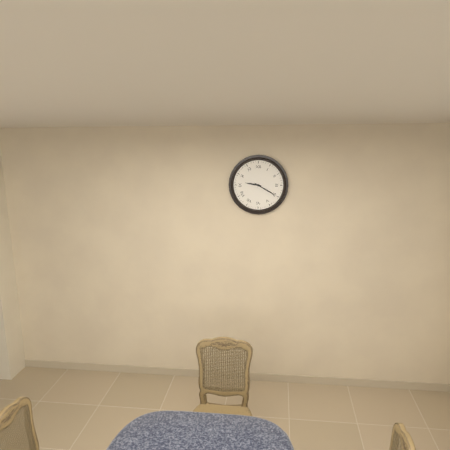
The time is 9,20
